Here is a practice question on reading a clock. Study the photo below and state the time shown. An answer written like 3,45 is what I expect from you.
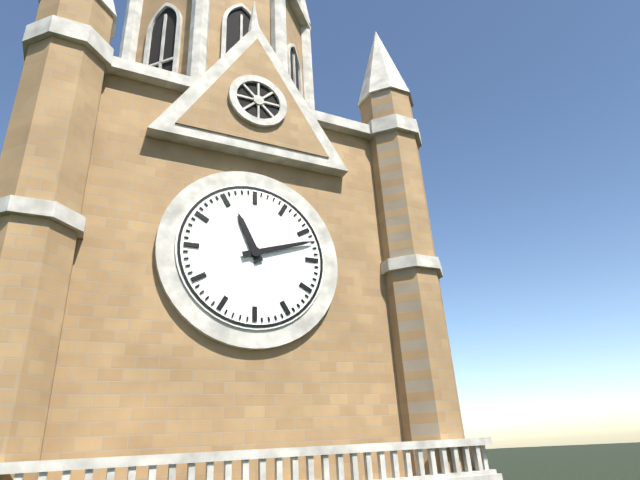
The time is 11,12
